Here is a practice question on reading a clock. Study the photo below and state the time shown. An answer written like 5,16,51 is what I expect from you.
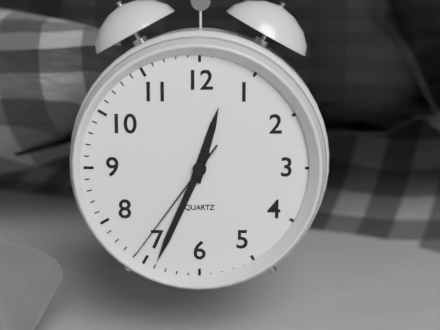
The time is 12,34,36
